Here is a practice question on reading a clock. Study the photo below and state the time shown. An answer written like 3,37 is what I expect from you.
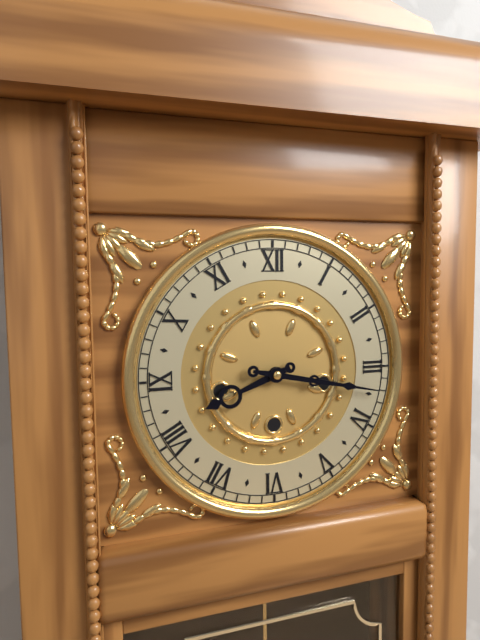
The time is 8,17
